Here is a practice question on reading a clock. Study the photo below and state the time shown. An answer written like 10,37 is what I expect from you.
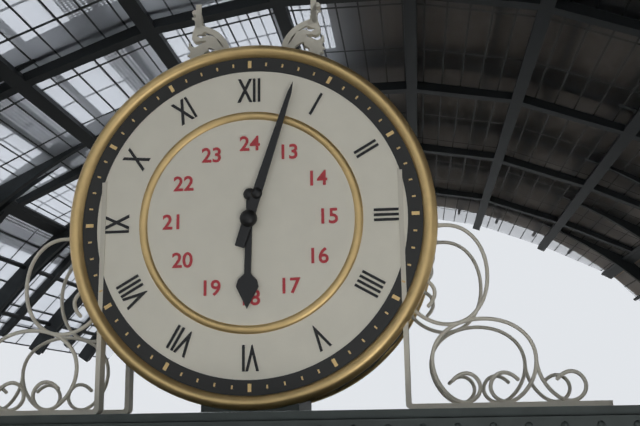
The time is 6,03
